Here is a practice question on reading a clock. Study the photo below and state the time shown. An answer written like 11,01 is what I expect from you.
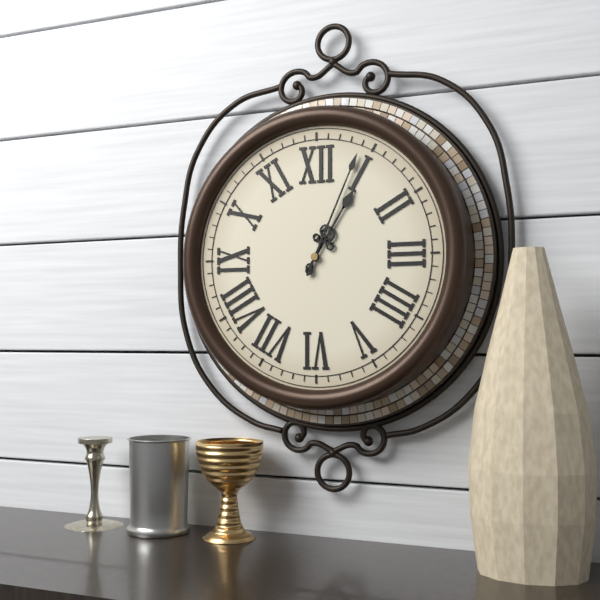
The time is 1,04
